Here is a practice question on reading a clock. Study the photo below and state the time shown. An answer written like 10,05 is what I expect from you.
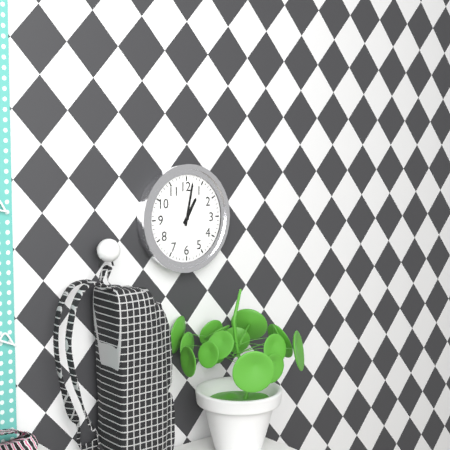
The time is 1,02
